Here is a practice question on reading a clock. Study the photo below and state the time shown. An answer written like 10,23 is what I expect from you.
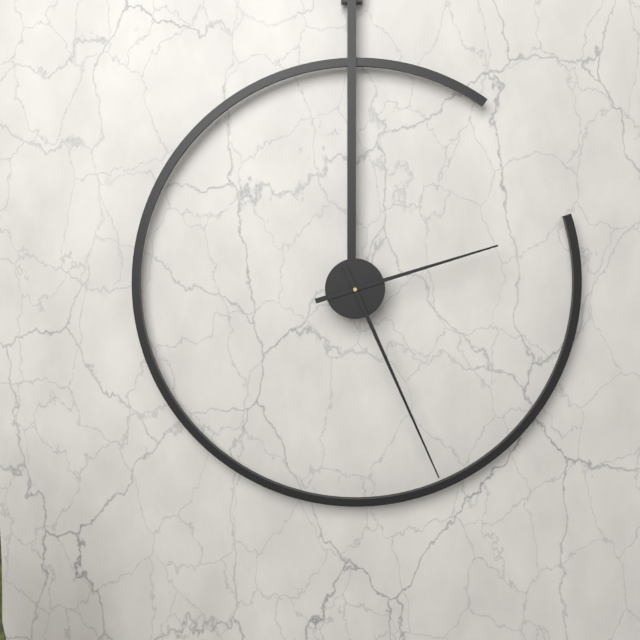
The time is 2,26
